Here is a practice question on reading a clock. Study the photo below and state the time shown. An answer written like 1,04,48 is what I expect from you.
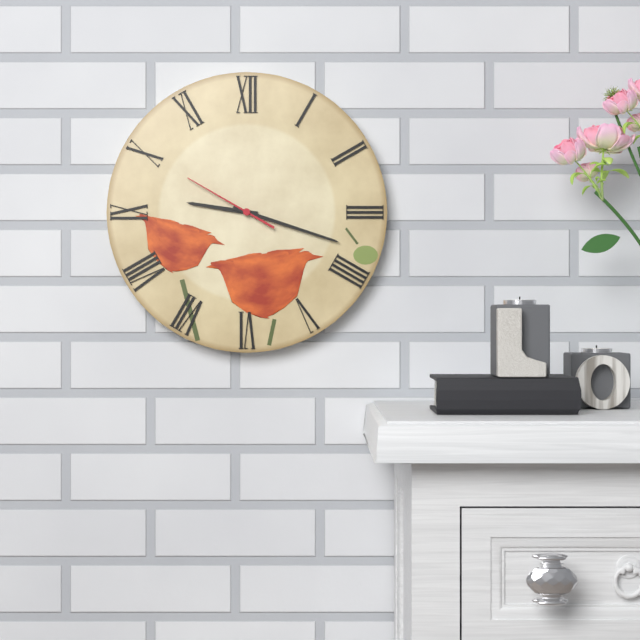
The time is 9,18,50
